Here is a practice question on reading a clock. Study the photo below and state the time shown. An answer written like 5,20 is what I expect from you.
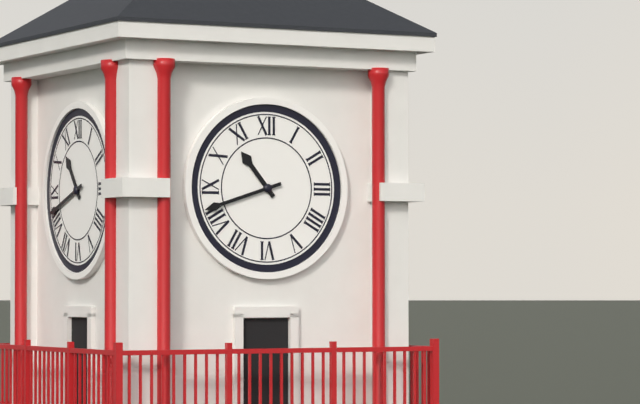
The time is 10,42
